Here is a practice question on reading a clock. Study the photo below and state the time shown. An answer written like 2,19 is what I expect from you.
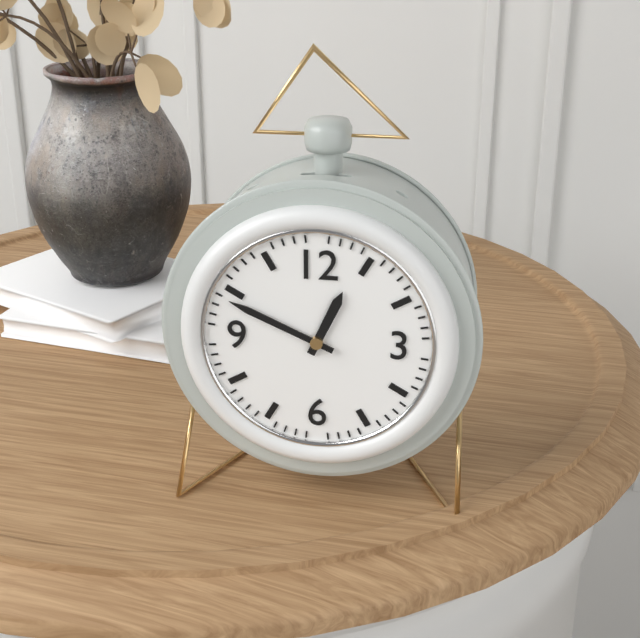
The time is 12,49
